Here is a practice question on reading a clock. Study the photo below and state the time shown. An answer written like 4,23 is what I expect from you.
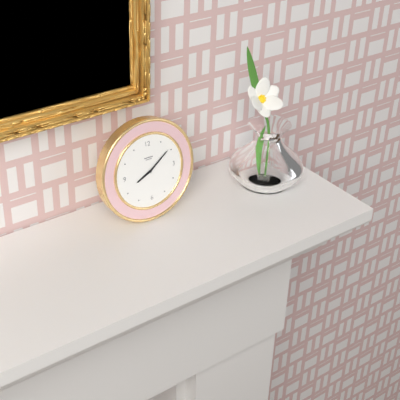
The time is 8,09
